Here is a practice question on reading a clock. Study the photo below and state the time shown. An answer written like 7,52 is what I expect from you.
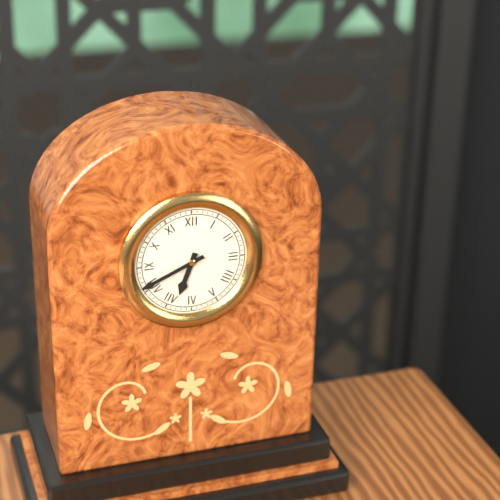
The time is 6,41
